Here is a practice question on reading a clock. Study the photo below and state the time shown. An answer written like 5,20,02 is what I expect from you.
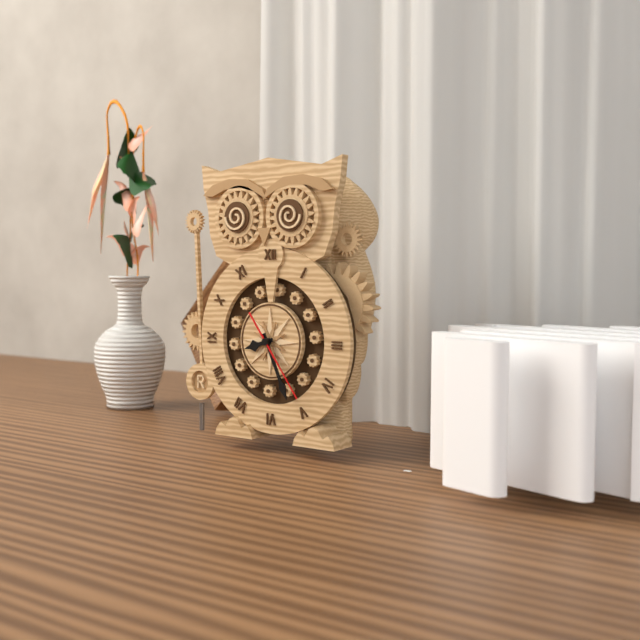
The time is 8,26,24
